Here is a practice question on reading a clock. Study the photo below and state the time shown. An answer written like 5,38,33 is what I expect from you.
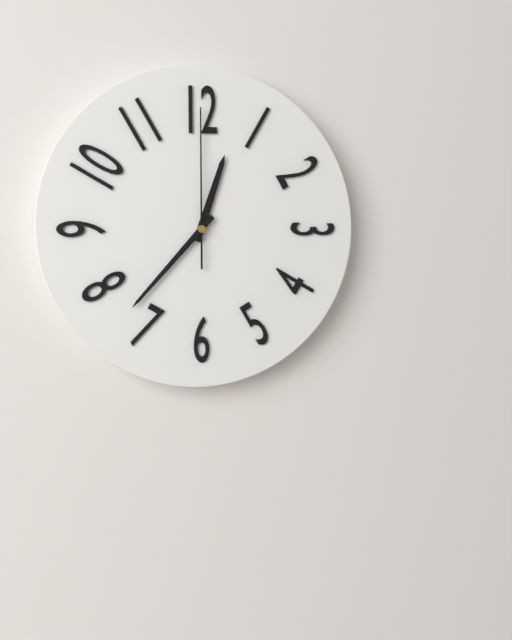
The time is 12,37,00
